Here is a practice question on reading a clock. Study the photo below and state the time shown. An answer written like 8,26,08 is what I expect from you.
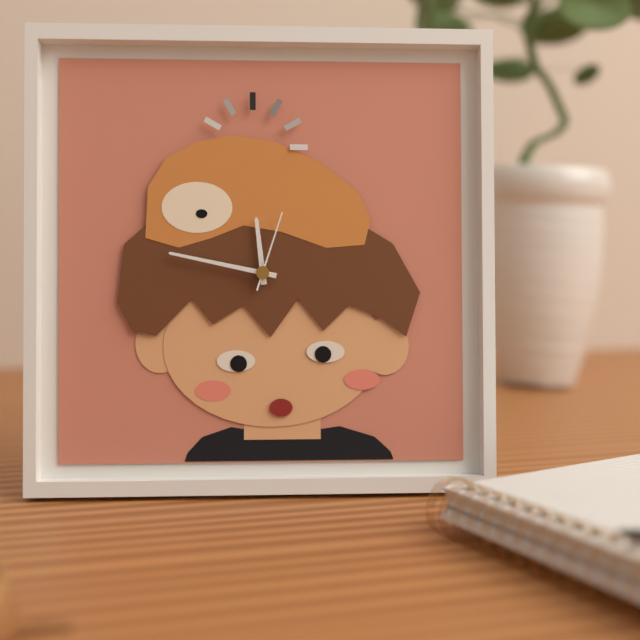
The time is 11,47,03
